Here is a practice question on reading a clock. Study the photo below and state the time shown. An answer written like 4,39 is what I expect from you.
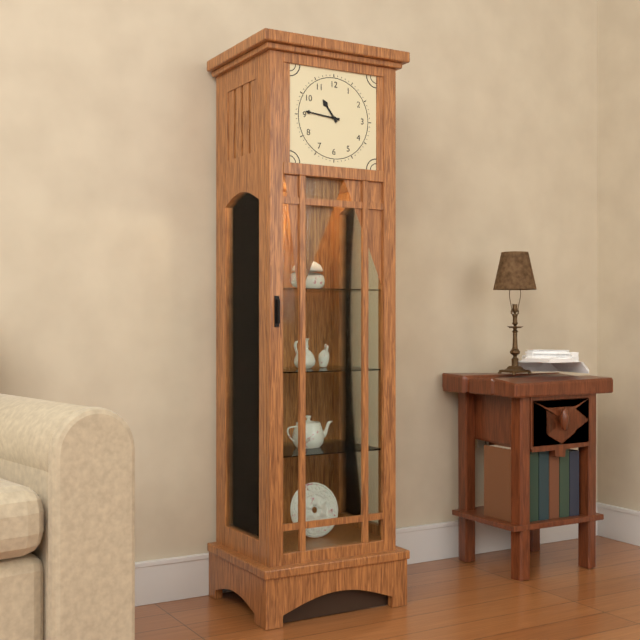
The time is 10,46
